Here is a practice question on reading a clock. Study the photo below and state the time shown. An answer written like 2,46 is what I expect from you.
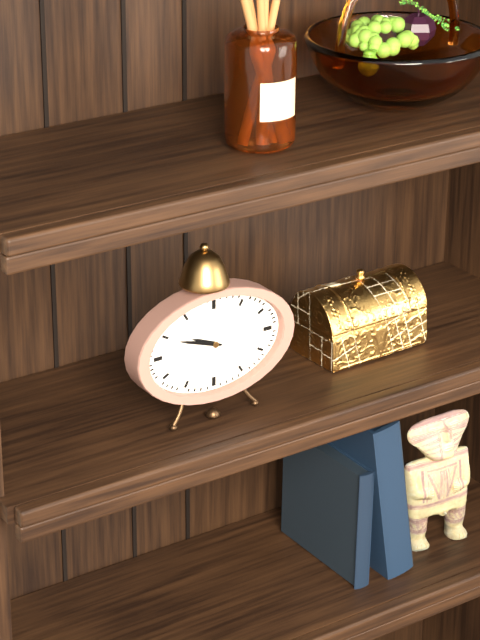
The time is 9,48
